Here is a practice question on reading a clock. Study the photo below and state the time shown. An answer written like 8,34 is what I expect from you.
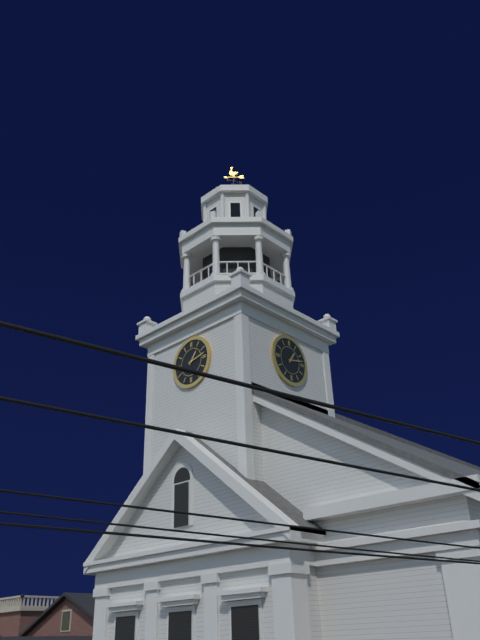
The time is 1,13
